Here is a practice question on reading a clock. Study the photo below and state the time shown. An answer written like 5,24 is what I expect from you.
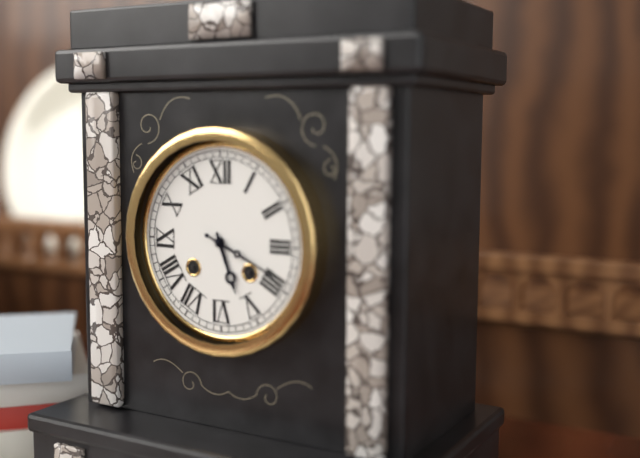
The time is 5,19
